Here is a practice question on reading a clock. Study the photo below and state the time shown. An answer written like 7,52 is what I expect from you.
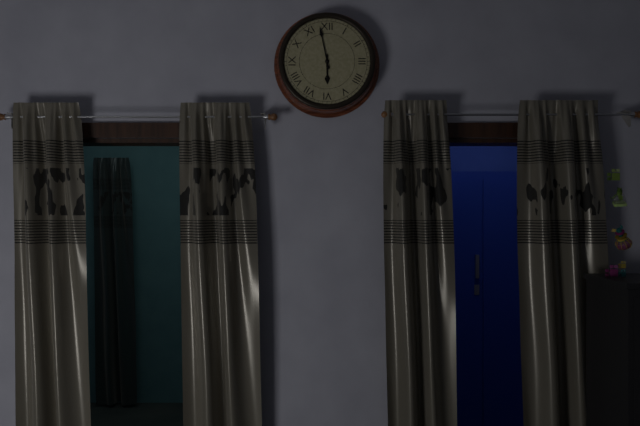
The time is 5,58
